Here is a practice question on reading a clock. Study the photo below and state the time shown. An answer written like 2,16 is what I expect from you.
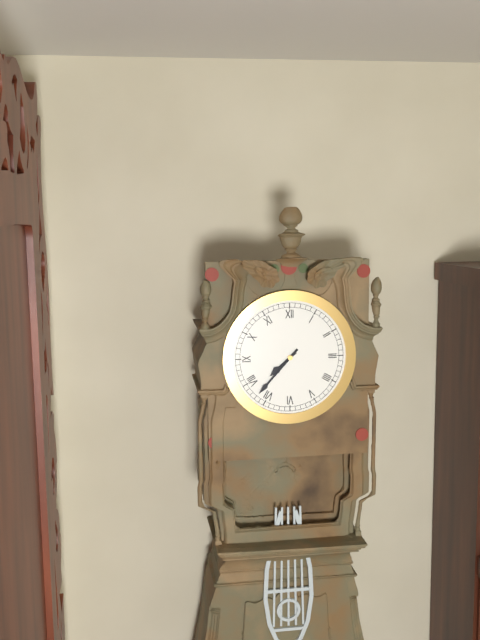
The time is 7,37
